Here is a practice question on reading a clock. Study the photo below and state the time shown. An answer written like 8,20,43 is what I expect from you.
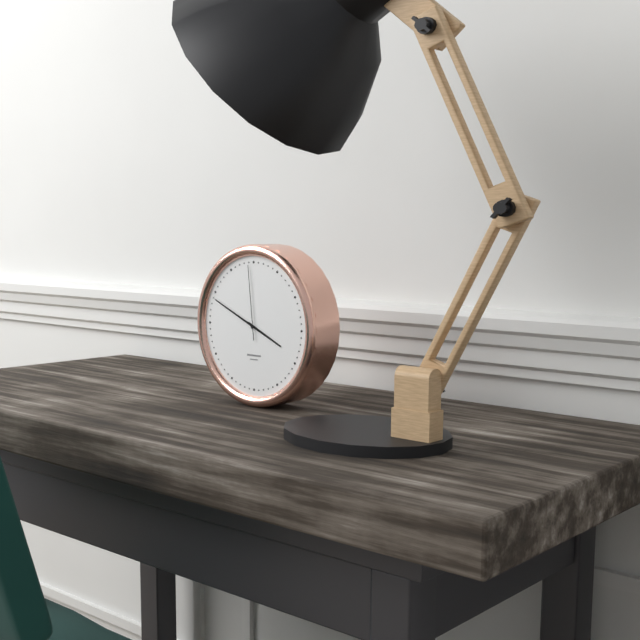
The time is 3,49,59
